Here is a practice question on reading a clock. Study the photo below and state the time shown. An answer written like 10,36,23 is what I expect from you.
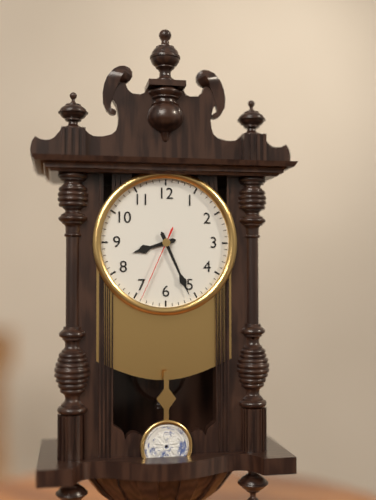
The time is 8,26,34
